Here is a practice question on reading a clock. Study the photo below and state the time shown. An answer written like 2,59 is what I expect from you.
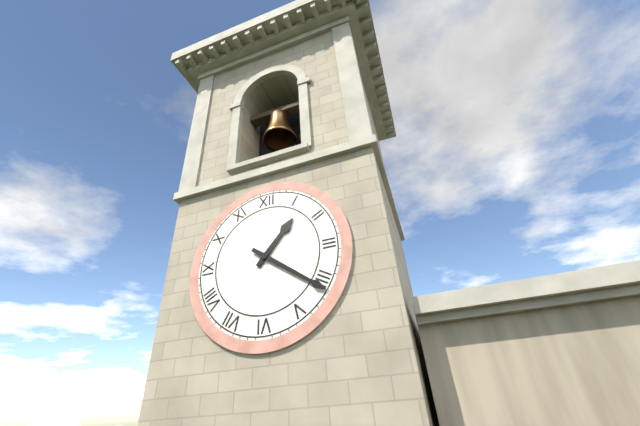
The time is 1,21
